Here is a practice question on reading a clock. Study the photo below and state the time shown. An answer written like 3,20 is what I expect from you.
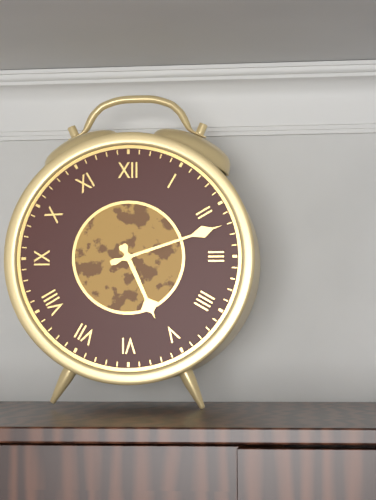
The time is 5,12
